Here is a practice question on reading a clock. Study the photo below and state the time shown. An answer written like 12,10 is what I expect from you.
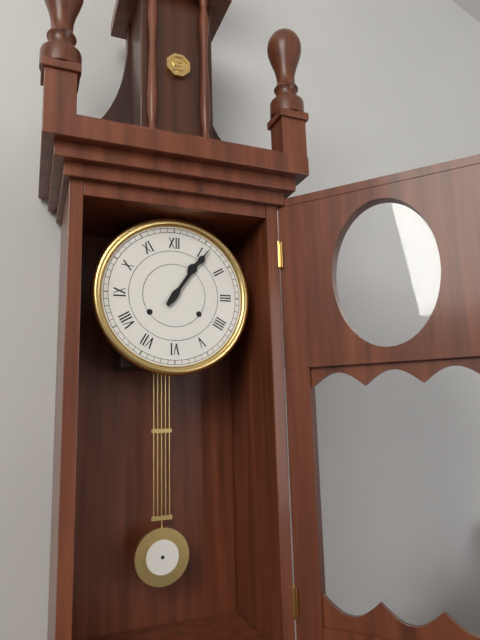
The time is 1,06
